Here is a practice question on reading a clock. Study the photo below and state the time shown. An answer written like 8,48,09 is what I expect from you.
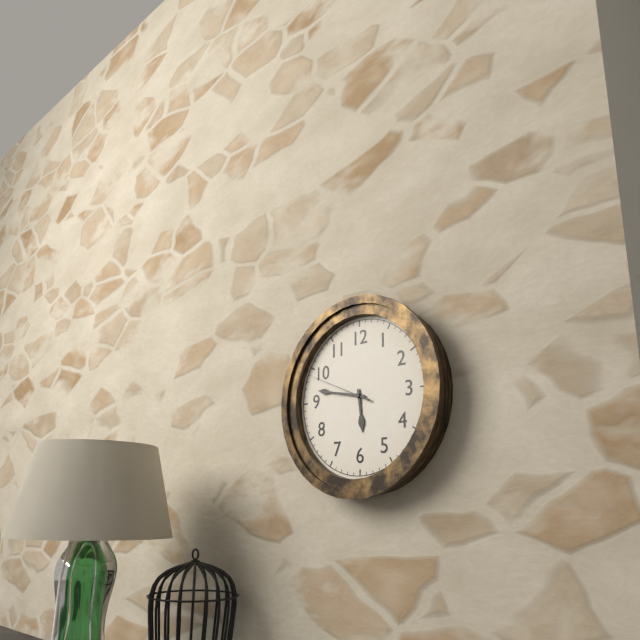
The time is 5,47,49
